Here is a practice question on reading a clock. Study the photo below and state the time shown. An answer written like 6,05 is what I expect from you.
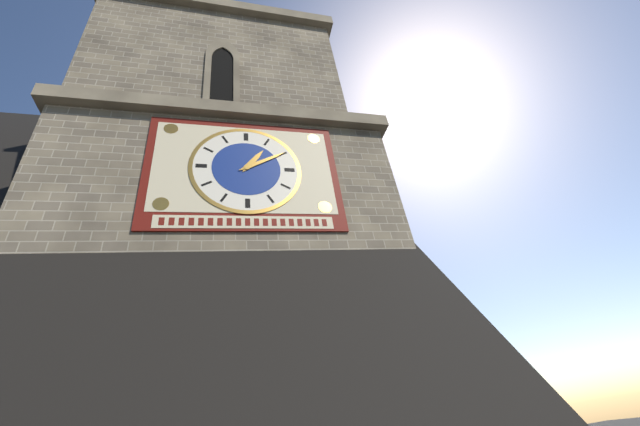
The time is 1,10
